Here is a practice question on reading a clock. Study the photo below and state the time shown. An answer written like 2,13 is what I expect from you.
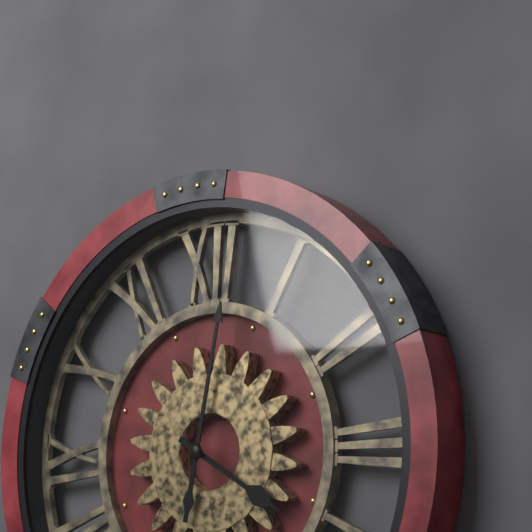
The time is 4,02
